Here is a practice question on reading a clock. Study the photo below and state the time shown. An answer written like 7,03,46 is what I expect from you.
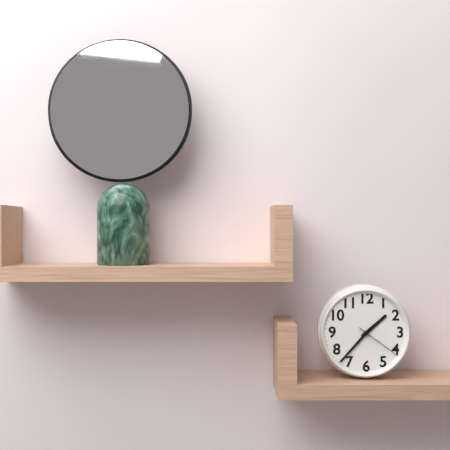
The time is 1,37,21
